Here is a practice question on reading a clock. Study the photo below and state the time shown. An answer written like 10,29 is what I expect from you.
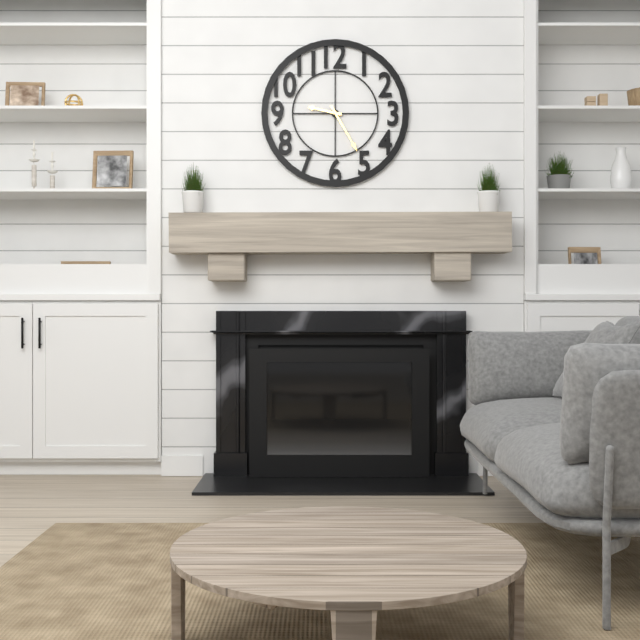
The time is 9,25
